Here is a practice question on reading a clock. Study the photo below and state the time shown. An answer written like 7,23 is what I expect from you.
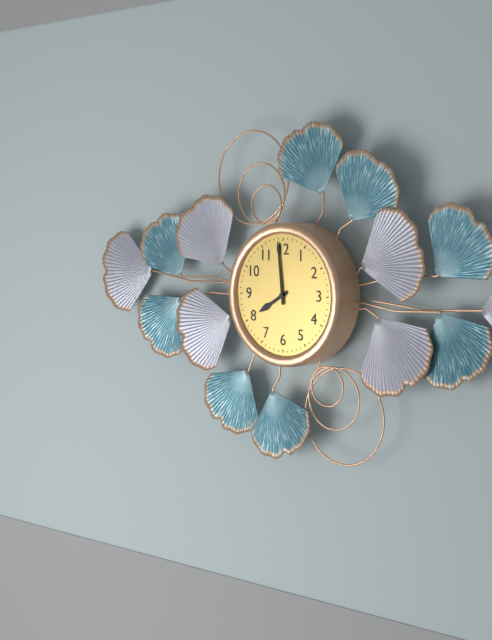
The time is 7,59
